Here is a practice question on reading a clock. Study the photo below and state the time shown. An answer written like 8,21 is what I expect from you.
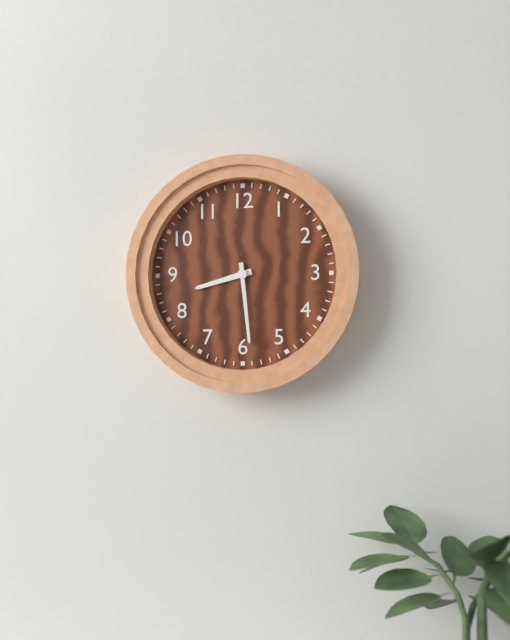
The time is 8,29
